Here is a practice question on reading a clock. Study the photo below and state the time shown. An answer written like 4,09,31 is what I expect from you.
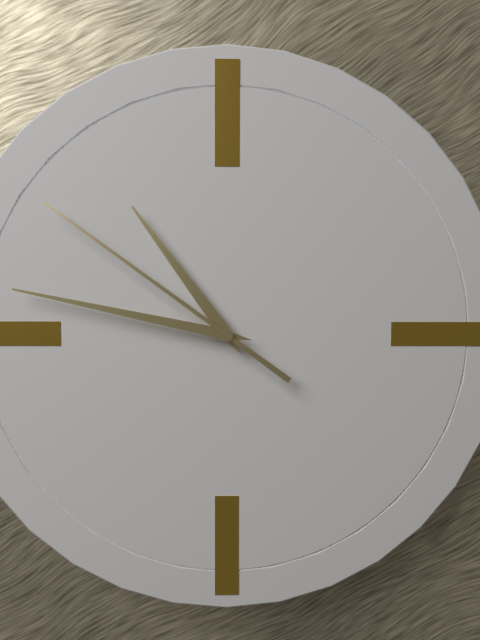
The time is 10,47,51
